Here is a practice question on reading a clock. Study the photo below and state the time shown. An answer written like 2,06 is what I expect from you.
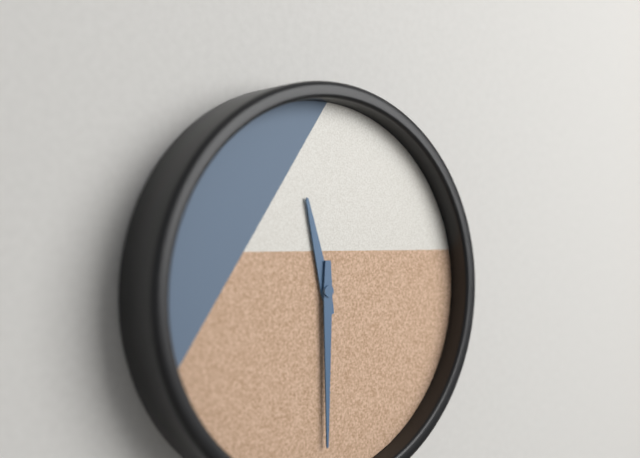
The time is 11,30
